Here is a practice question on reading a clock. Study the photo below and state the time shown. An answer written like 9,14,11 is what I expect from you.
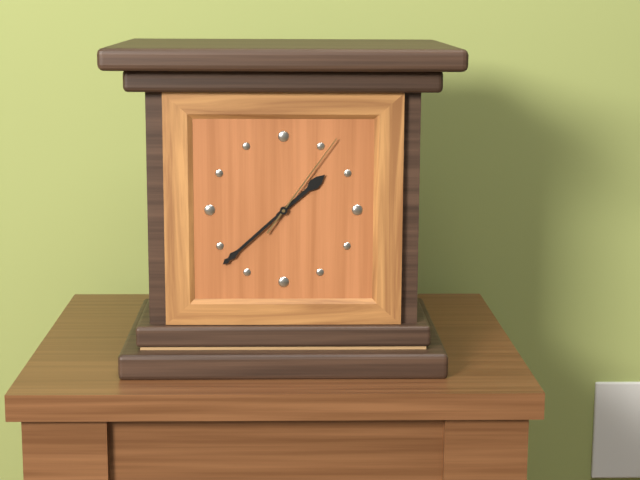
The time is 1,38,06
